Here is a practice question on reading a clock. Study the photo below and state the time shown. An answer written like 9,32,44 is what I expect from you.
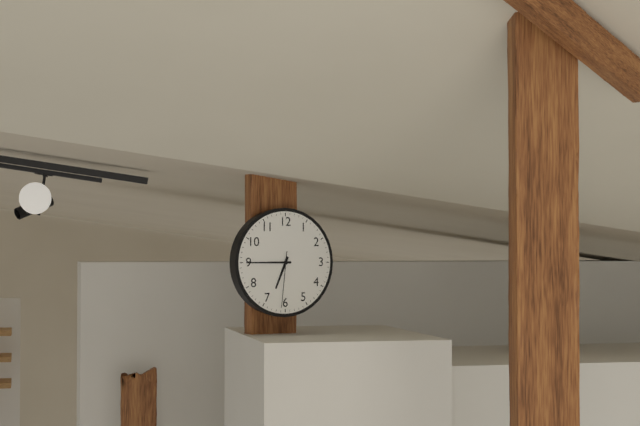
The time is 6,45,31
